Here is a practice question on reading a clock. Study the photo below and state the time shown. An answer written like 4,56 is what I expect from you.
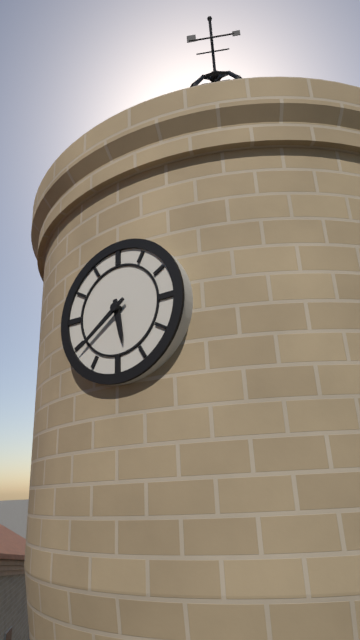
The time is 5,39
